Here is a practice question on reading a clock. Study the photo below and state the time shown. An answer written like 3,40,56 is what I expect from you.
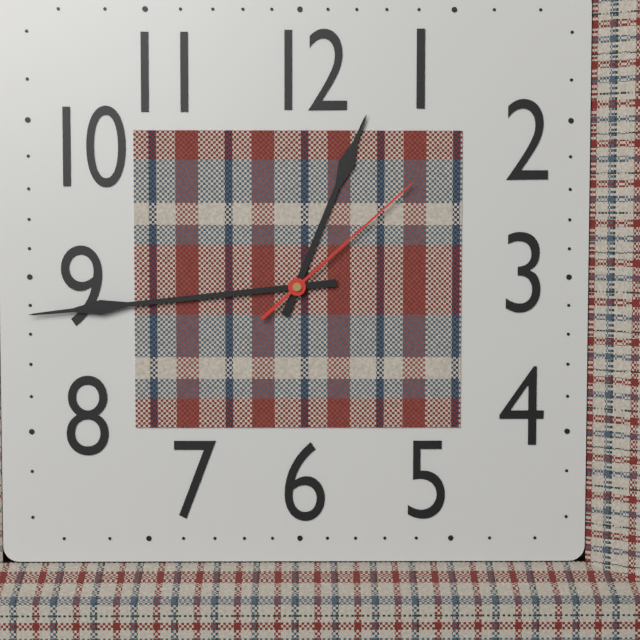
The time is 12,44,08
